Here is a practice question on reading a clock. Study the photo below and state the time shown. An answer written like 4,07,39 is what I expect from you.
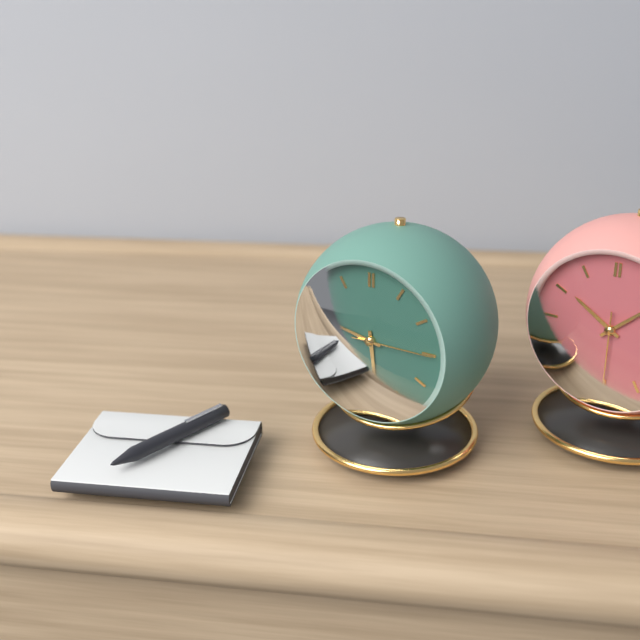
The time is 5,47,15
